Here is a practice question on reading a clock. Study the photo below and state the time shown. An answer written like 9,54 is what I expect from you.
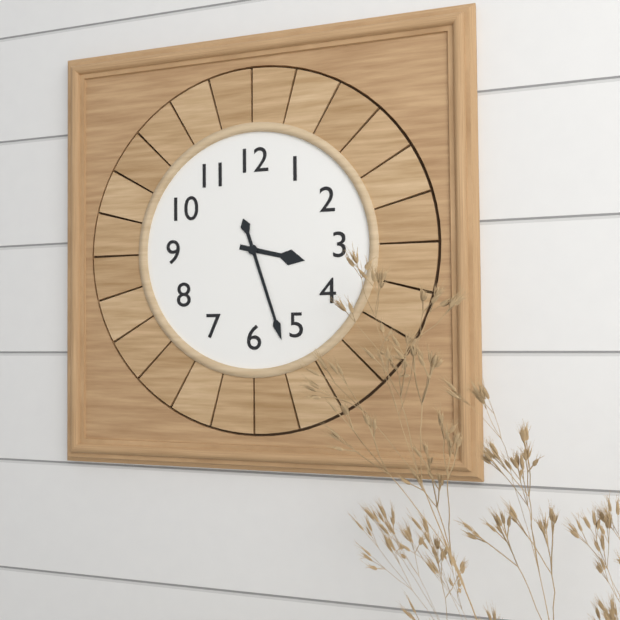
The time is 3,27
